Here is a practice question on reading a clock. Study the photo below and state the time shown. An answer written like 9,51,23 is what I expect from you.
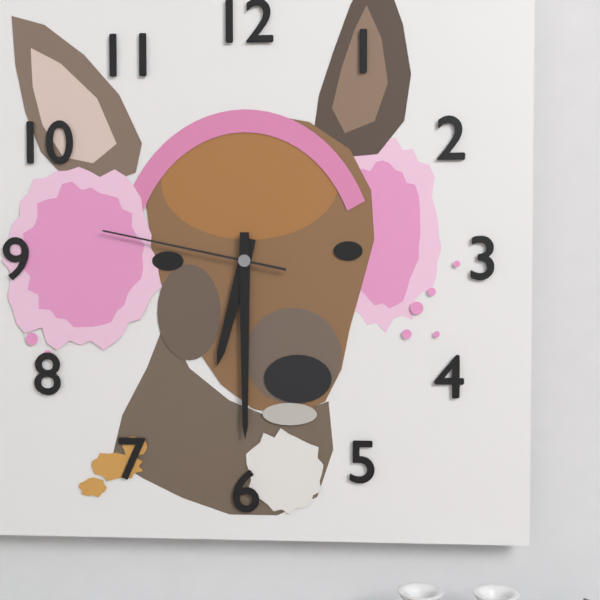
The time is 6,30,47
